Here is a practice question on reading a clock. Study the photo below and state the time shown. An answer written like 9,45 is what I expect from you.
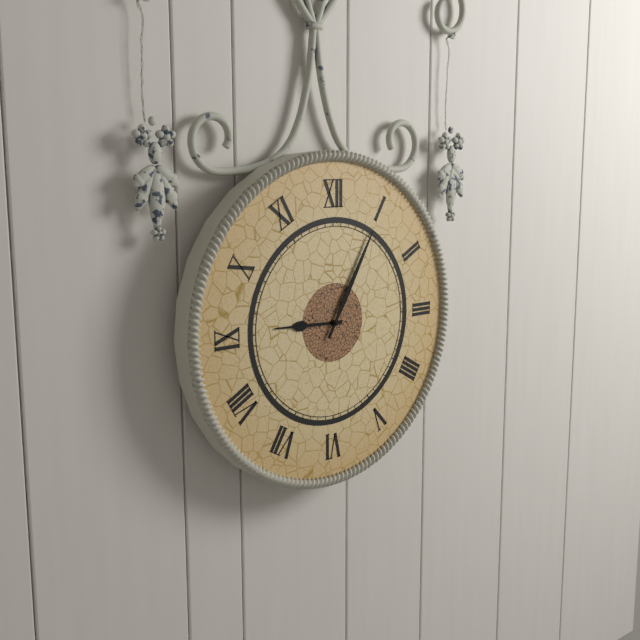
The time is 9,05
